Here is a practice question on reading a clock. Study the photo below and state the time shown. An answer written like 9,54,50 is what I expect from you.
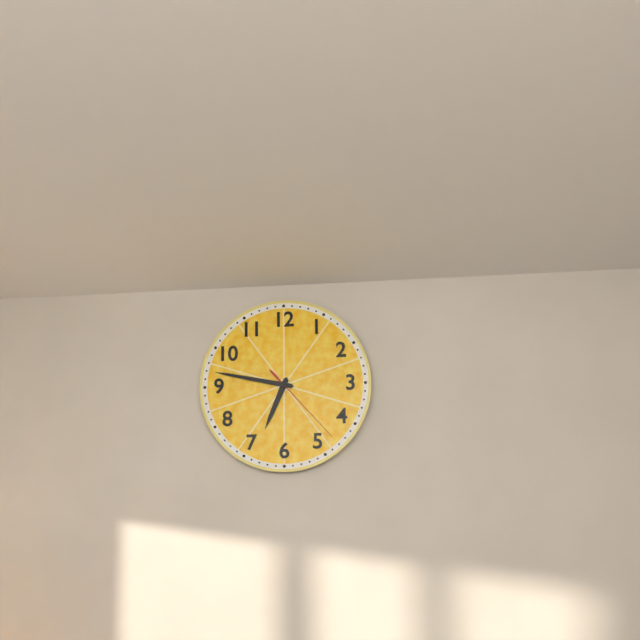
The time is 6,47,23
